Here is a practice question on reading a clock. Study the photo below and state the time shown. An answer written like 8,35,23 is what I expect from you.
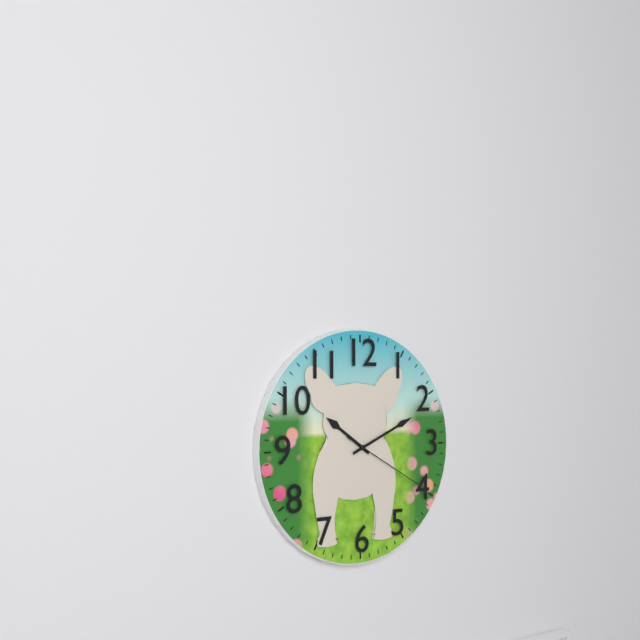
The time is 10,11,20
